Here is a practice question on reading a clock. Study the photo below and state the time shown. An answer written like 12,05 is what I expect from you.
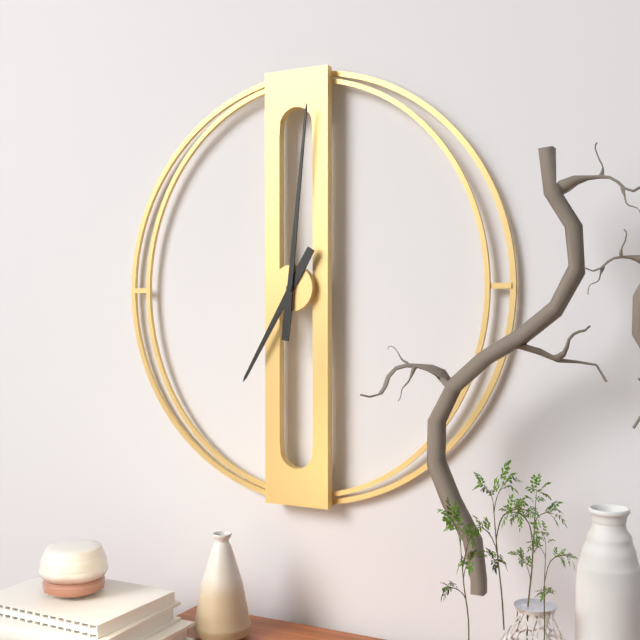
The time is 7,01
